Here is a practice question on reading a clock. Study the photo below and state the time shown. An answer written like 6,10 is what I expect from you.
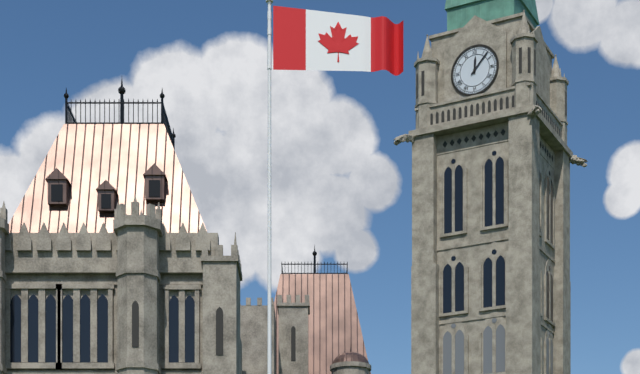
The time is 12,07
